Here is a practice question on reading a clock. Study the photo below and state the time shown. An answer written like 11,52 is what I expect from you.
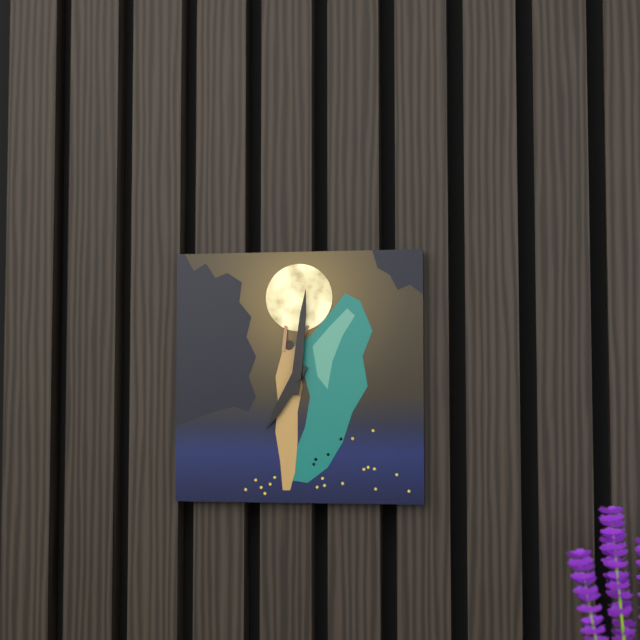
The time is 7,01
